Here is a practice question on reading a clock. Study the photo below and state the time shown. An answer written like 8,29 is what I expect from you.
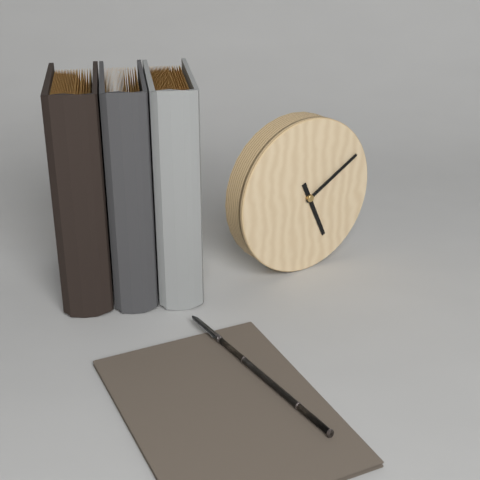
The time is 5,10
